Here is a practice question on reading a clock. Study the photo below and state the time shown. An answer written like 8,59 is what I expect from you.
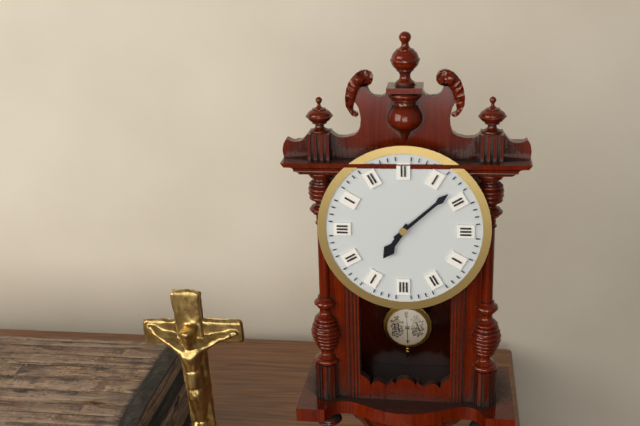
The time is 7,08
